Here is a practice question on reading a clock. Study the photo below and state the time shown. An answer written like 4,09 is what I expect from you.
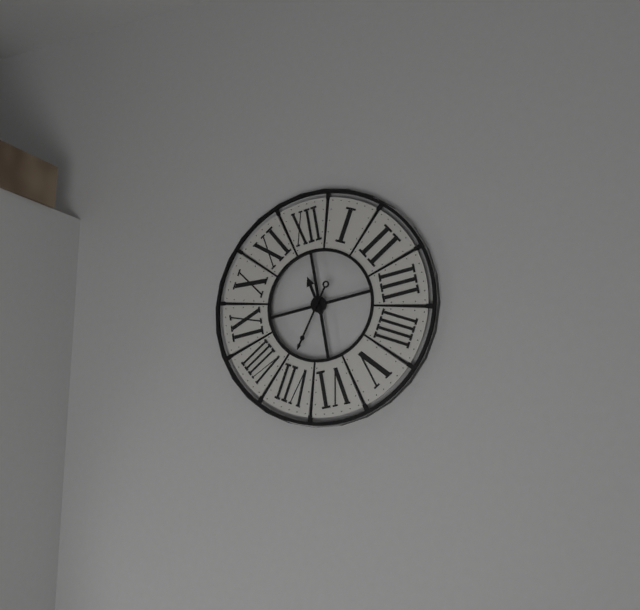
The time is 11,36
